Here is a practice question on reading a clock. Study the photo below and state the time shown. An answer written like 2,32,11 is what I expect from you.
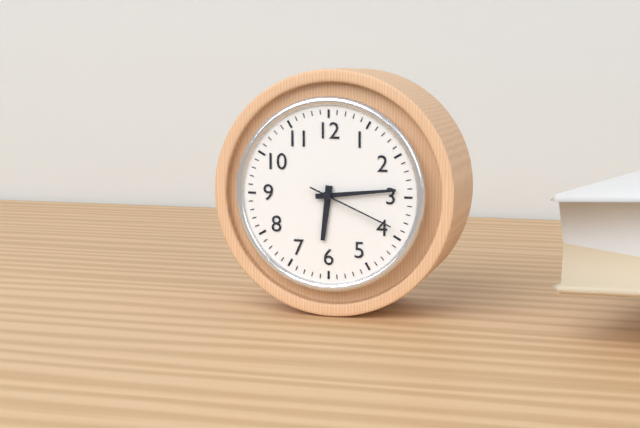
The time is 6,14,19
